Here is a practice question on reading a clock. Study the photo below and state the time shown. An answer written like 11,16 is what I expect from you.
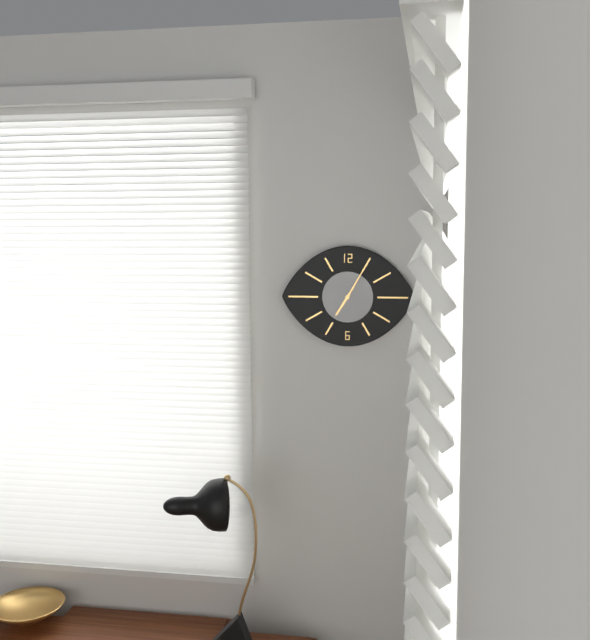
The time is 7,05
